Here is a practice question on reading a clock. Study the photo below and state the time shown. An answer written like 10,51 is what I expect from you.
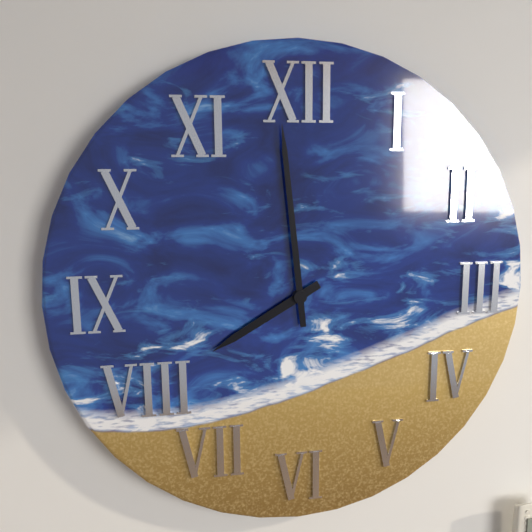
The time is 7,59
